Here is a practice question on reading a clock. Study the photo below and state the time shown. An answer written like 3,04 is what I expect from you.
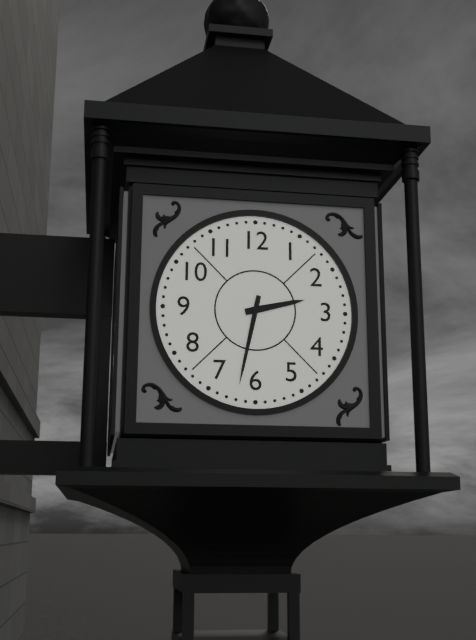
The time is 2,32
